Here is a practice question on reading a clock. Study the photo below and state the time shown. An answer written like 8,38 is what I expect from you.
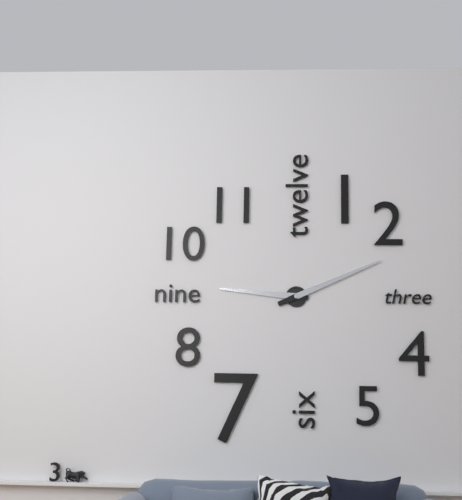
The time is 9,11
